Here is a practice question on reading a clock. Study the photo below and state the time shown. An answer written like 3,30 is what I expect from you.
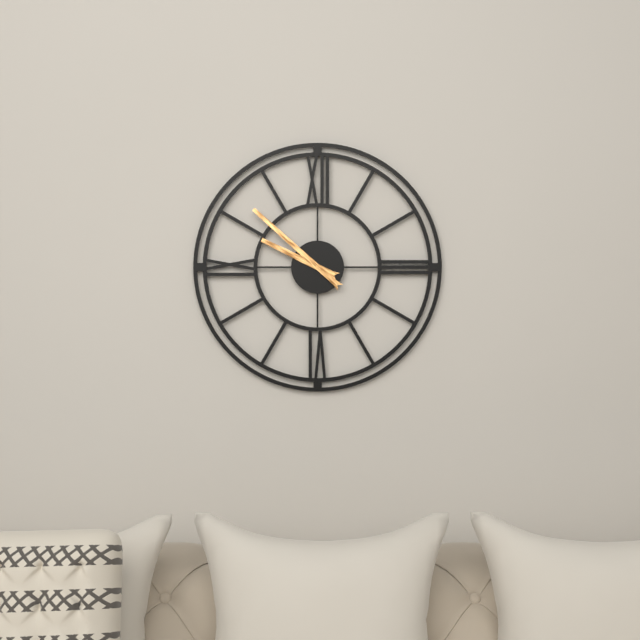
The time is 9,52
